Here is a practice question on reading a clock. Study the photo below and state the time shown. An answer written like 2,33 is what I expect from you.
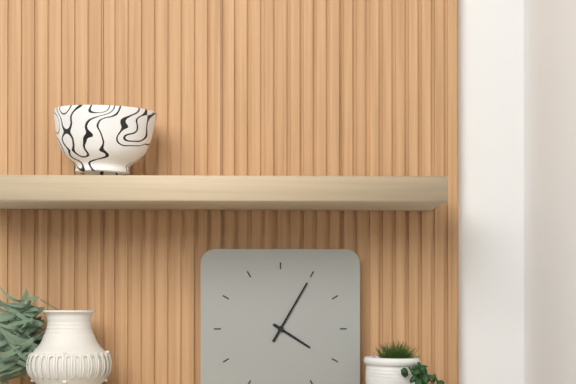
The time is 4,05
